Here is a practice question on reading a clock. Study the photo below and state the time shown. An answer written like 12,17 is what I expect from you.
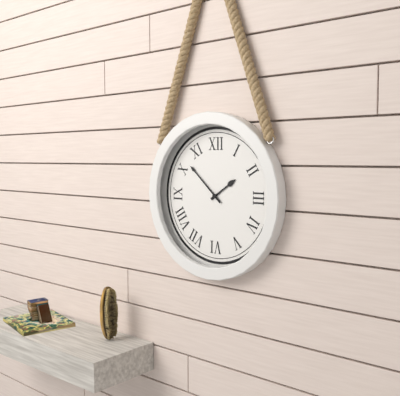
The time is 1,52
